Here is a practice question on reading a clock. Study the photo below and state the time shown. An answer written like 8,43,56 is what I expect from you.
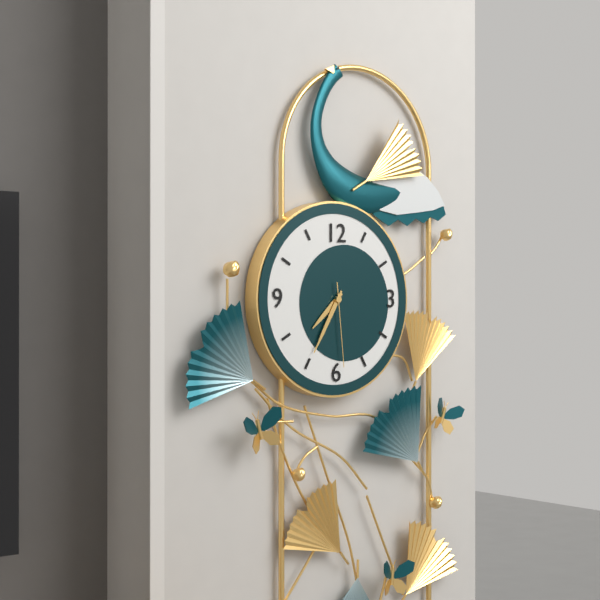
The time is 7,35,29
